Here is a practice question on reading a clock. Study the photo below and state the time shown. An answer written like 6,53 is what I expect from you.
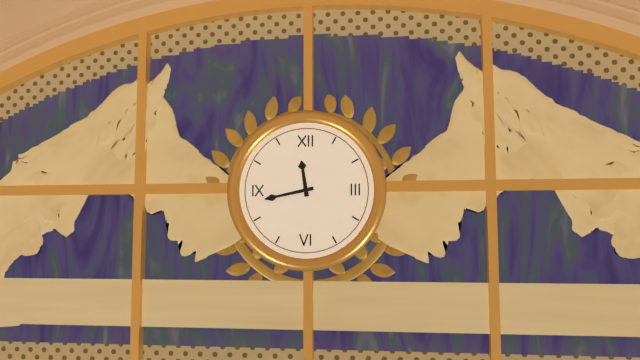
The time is 11,43
